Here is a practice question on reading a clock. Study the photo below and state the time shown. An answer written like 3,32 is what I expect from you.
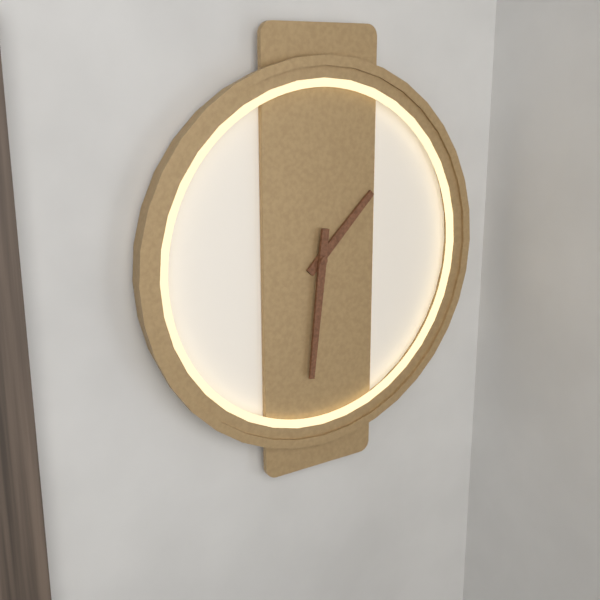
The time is 1,31
